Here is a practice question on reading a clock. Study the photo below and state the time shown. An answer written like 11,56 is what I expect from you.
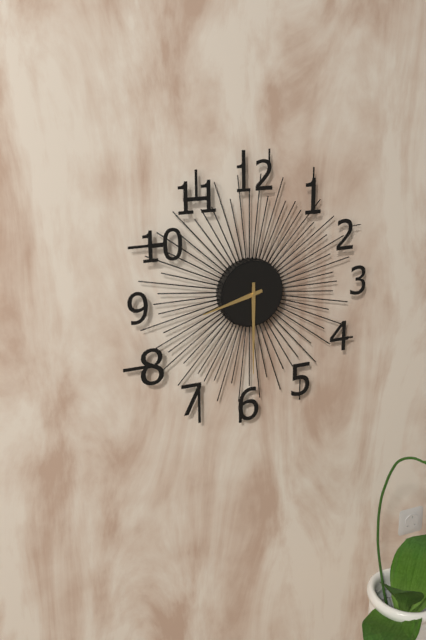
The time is 8,30
